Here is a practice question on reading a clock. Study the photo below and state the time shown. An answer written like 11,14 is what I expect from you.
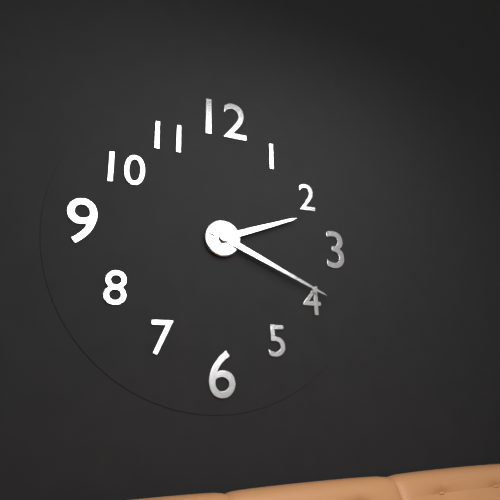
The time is 2,19
